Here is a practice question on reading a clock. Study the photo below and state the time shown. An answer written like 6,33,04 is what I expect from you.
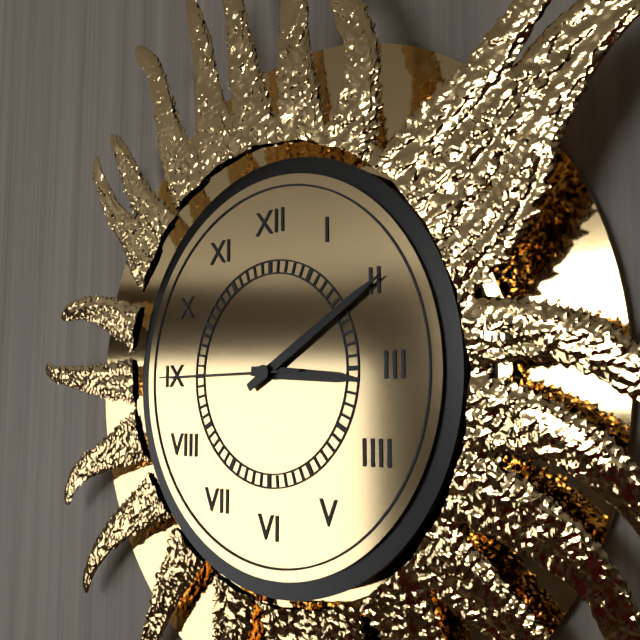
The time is 3,10,45
